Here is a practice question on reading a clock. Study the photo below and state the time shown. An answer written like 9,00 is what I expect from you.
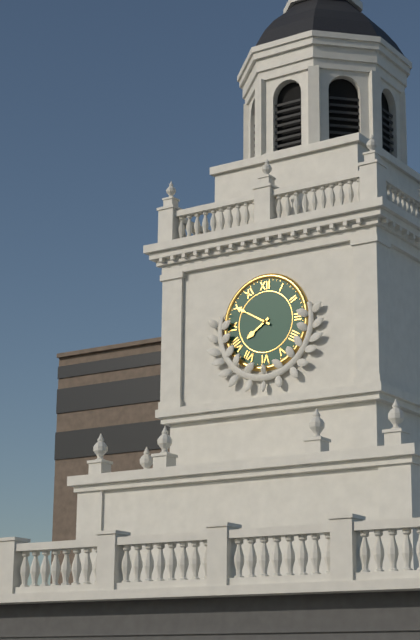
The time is 7,50
